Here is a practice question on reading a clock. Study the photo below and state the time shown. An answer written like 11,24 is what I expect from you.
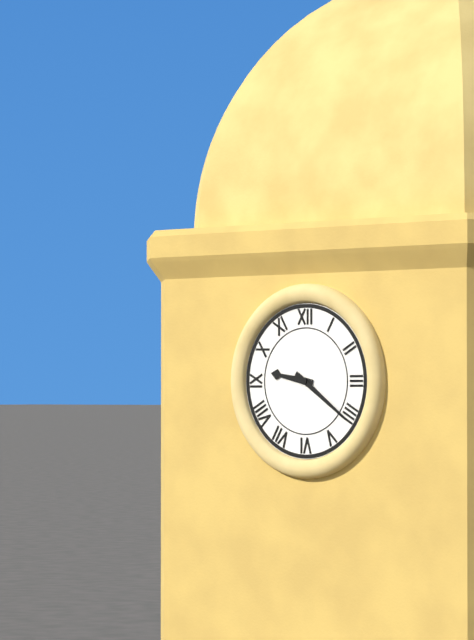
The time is 9,21
